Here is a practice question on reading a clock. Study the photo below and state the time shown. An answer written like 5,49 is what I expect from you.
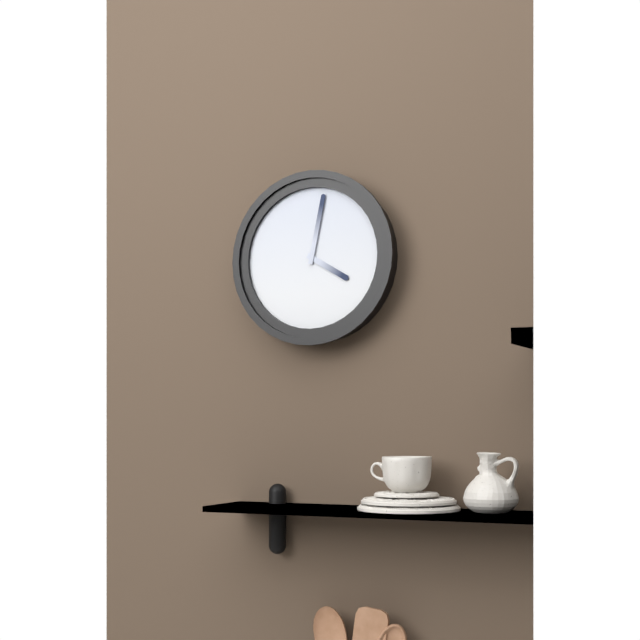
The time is 4,02
